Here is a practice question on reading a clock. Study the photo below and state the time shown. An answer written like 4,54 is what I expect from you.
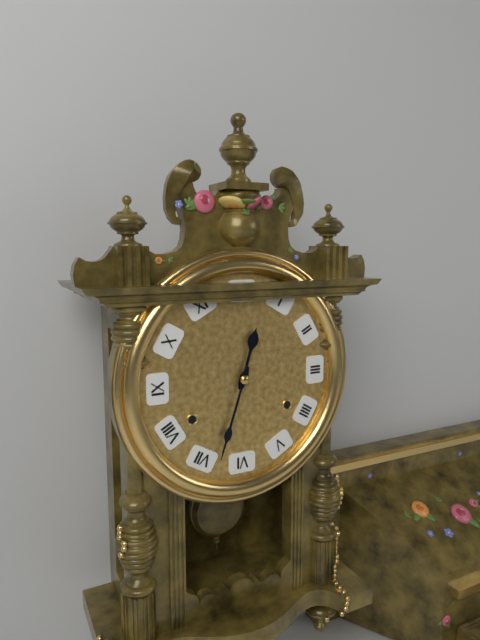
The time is 12,33
